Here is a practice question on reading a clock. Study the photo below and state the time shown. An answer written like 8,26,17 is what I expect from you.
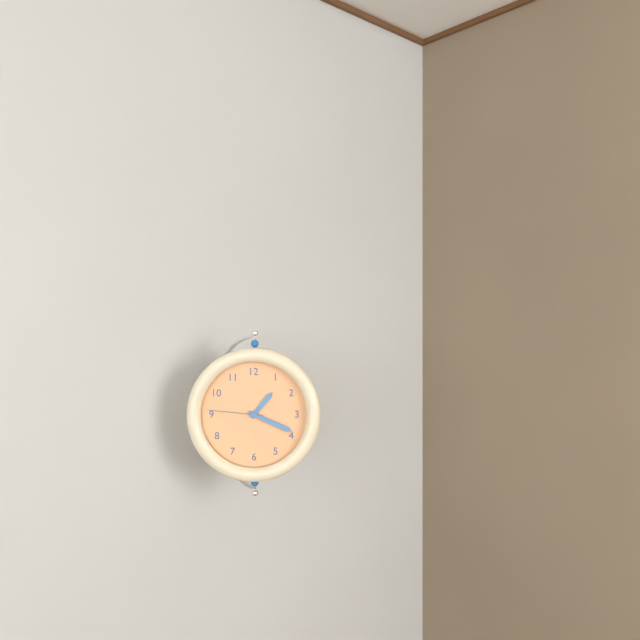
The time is 1,19,46
